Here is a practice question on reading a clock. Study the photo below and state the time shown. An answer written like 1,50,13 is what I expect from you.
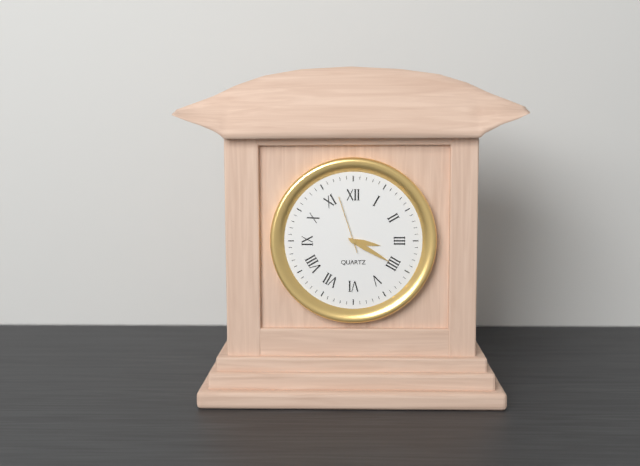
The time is 3,20,57
